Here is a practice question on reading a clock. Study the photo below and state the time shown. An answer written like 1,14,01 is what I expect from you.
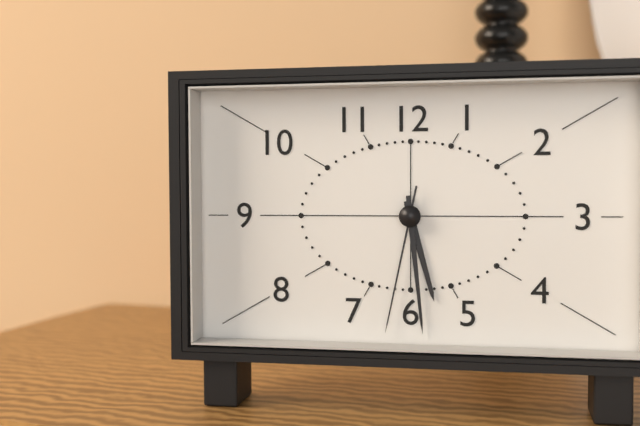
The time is 5,29,32
